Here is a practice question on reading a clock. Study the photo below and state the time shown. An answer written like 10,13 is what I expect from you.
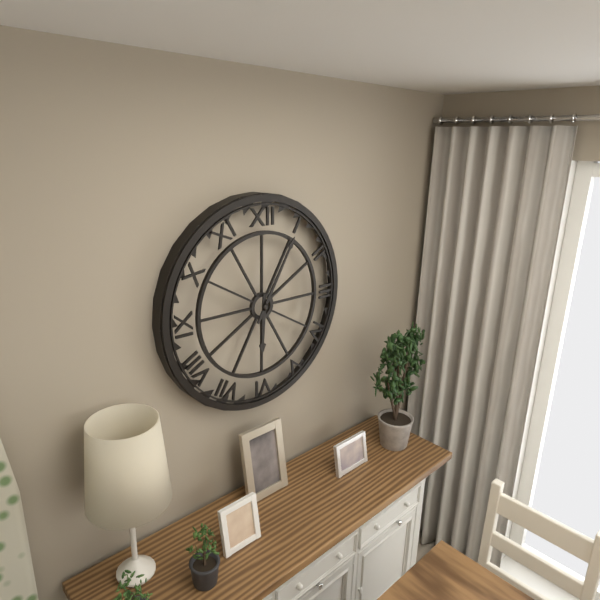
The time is 6,05
